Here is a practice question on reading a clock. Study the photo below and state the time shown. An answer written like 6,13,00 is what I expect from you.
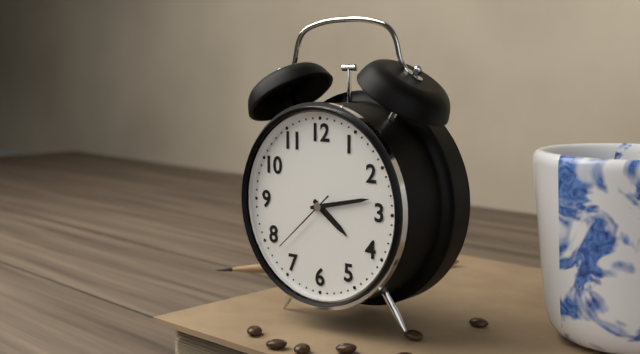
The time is 4,13,38
